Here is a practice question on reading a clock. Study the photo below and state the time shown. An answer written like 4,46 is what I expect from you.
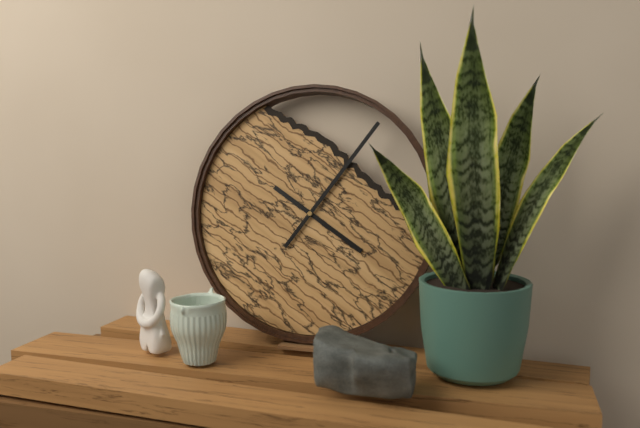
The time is 4,06
